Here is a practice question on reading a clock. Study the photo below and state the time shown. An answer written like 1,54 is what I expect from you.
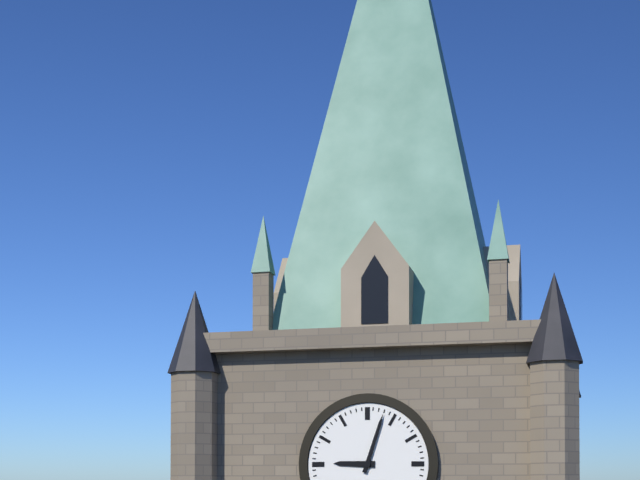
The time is 9,03
